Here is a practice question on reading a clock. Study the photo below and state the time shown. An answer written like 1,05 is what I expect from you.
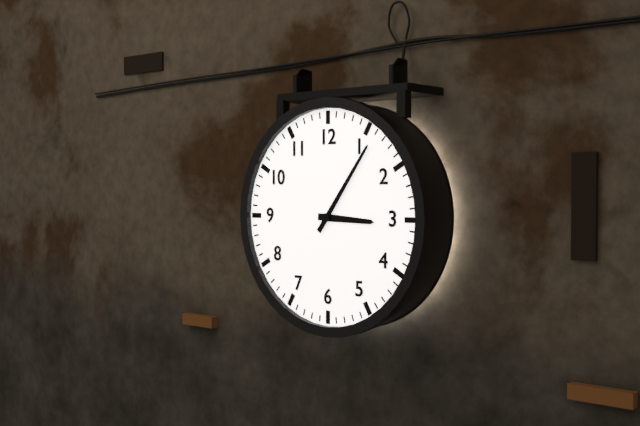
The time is 3,06
